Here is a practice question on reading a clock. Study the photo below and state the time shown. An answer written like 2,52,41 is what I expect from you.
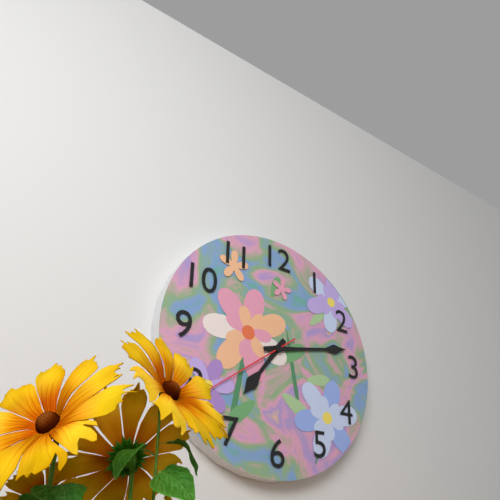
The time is 7,13,39
